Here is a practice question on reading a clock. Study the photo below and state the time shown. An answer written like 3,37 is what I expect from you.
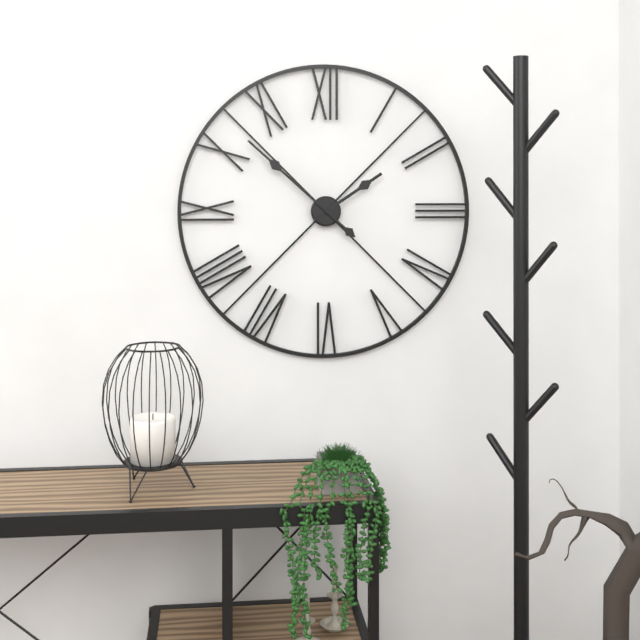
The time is 1,52
